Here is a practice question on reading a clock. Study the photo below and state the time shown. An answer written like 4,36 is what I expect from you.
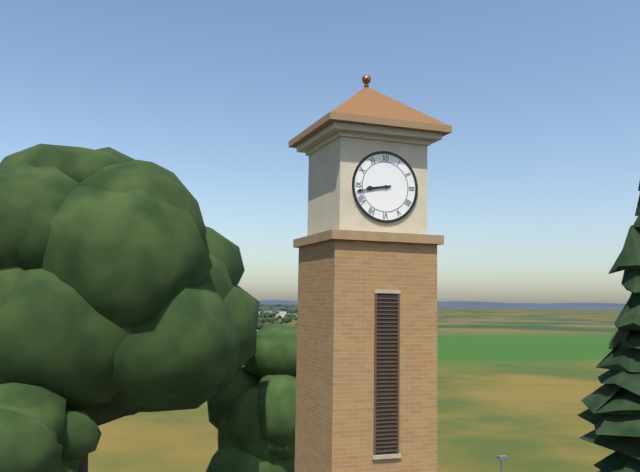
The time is 8,43
